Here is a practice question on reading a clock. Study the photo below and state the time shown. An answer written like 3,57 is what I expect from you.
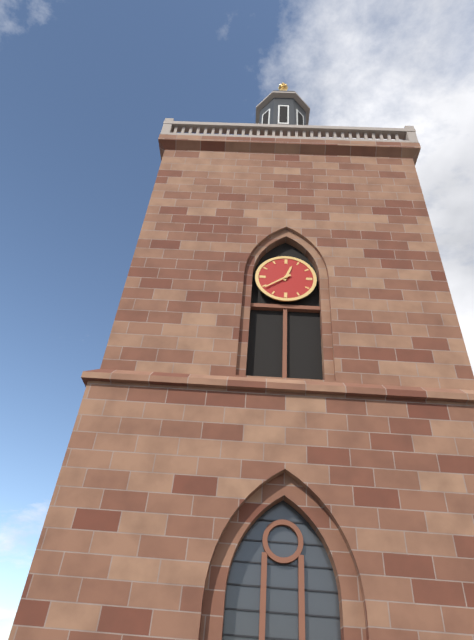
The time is 12,39
